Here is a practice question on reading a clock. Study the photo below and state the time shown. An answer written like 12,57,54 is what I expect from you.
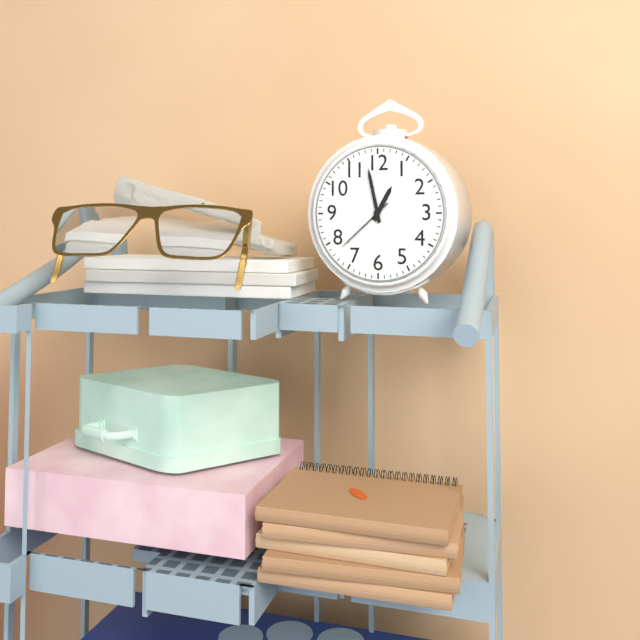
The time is 12,58,38
